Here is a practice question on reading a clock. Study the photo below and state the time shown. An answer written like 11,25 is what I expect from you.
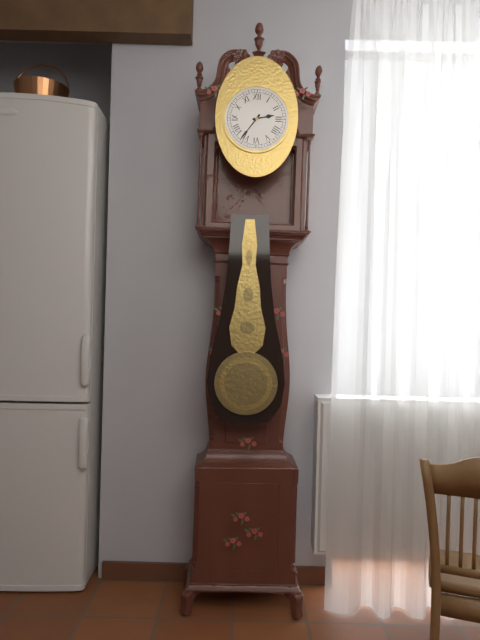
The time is 2,36
